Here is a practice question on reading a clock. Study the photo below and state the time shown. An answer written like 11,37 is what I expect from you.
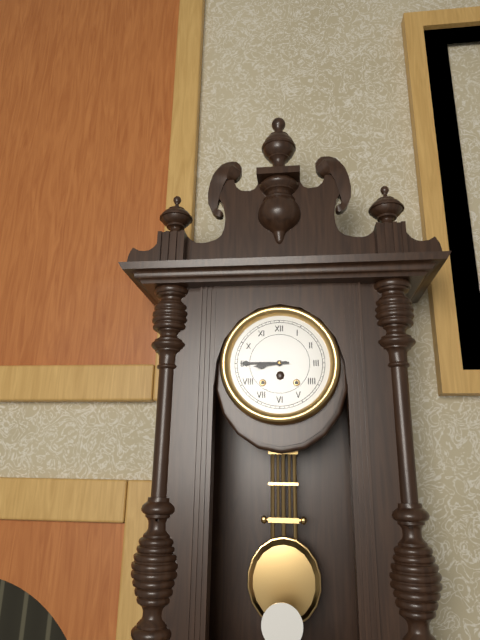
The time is 8,45
